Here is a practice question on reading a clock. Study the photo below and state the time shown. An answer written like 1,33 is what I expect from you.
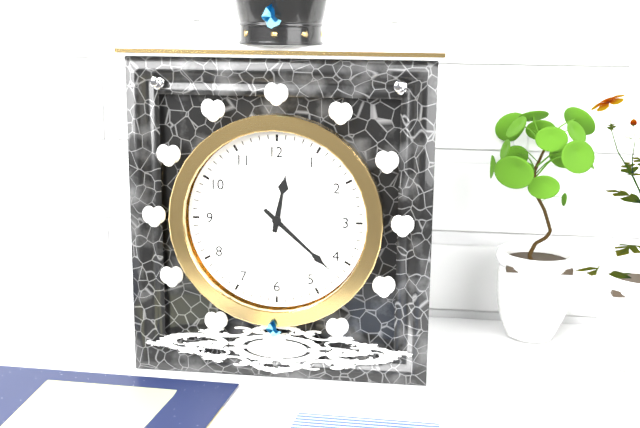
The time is 12,22
